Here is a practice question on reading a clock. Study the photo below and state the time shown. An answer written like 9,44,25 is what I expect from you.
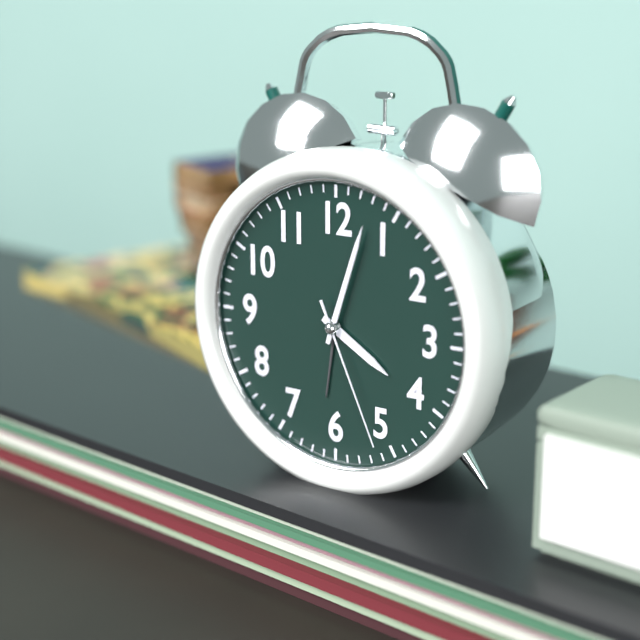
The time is 4,03,26
